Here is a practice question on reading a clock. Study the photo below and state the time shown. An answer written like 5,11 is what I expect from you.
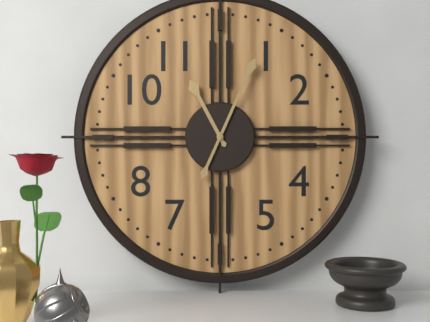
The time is 11,04
